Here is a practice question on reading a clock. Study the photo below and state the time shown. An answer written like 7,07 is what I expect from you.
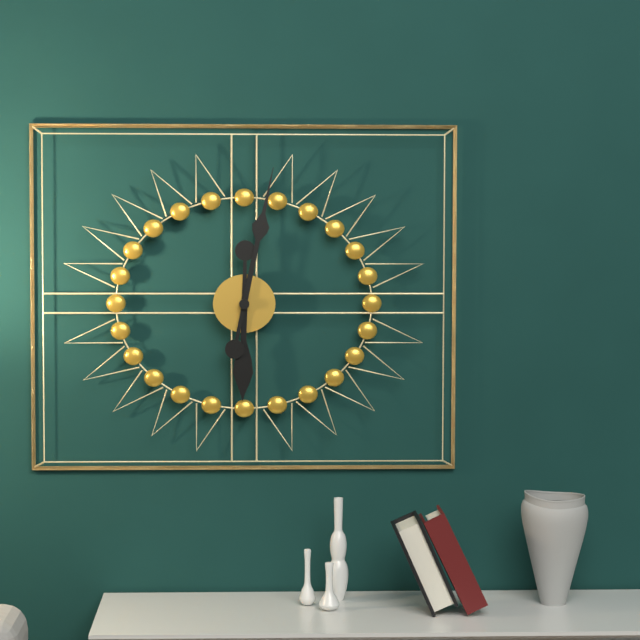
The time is 6,02
